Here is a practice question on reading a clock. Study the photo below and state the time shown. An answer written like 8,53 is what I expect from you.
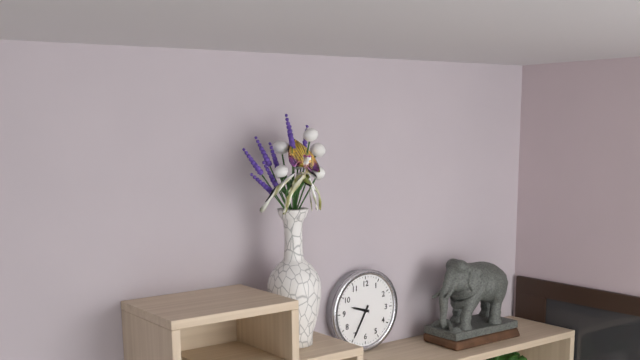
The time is 9,35
